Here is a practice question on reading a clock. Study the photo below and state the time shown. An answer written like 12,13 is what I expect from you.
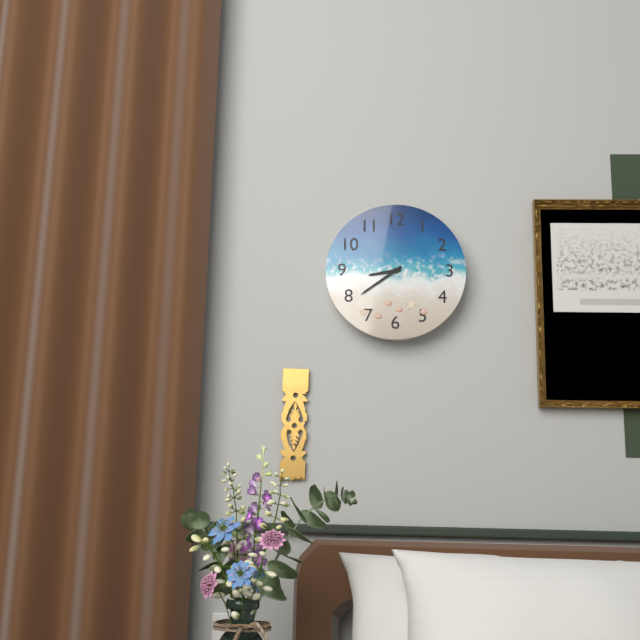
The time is 8,39
